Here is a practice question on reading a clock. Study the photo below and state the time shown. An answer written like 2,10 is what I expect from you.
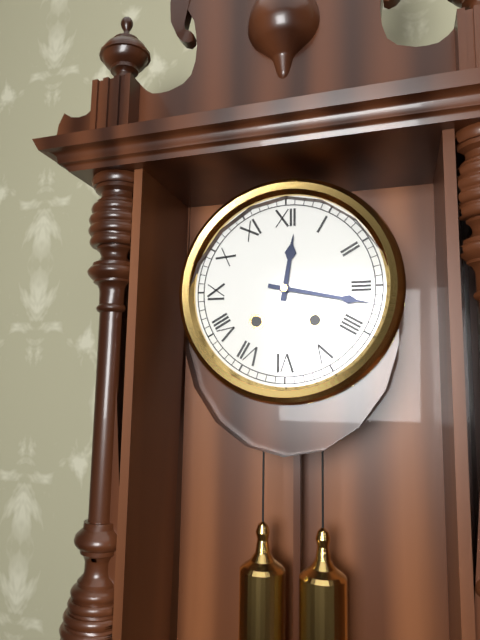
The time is 12,17
